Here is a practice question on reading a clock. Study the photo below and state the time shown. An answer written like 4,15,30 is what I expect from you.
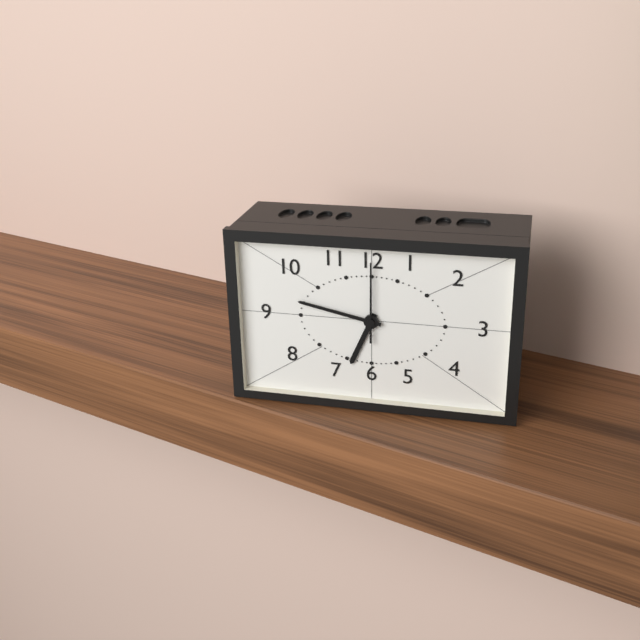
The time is 6,47,00
